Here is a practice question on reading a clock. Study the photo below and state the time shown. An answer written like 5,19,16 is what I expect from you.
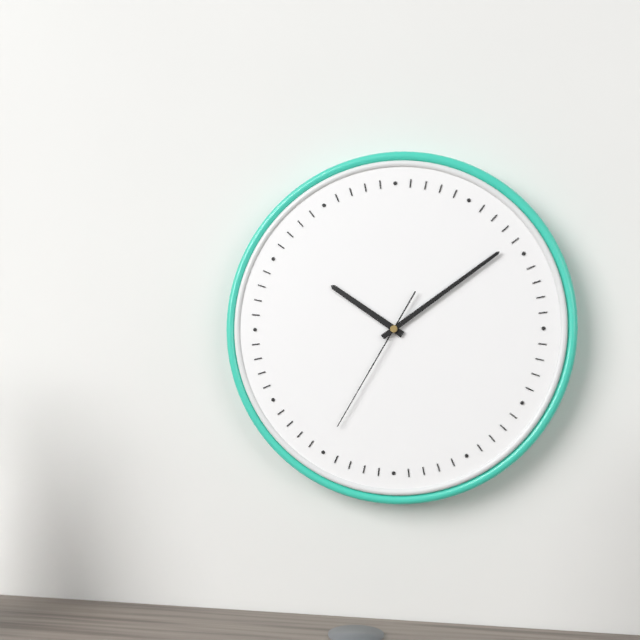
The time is 10,09,35
